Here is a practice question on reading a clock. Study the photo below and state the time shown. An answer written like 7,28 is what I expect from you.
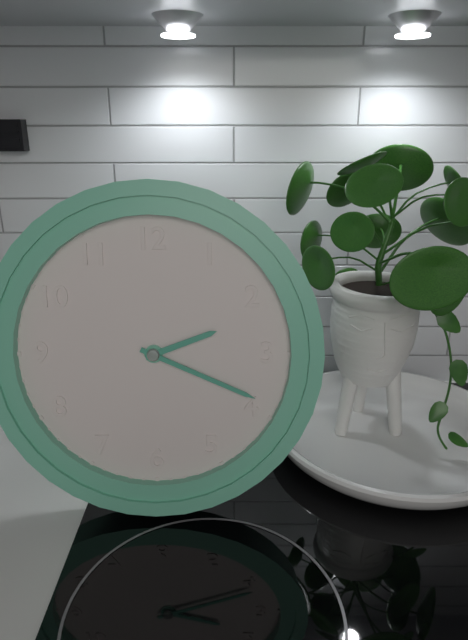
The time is 2,19
